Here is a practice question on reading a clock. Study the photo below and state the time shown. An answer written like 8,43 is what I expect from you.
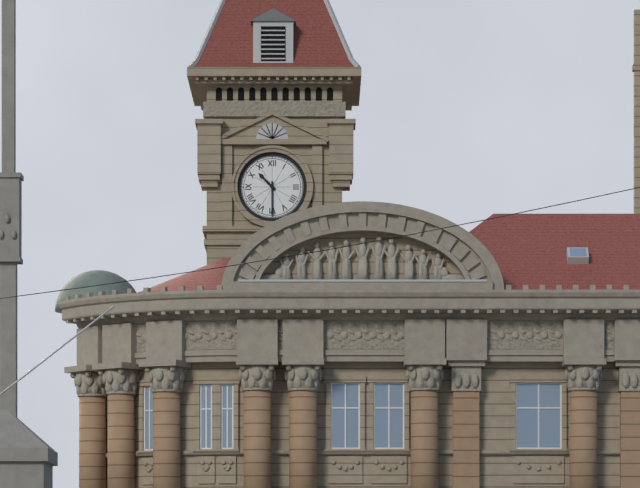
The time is 10,30
